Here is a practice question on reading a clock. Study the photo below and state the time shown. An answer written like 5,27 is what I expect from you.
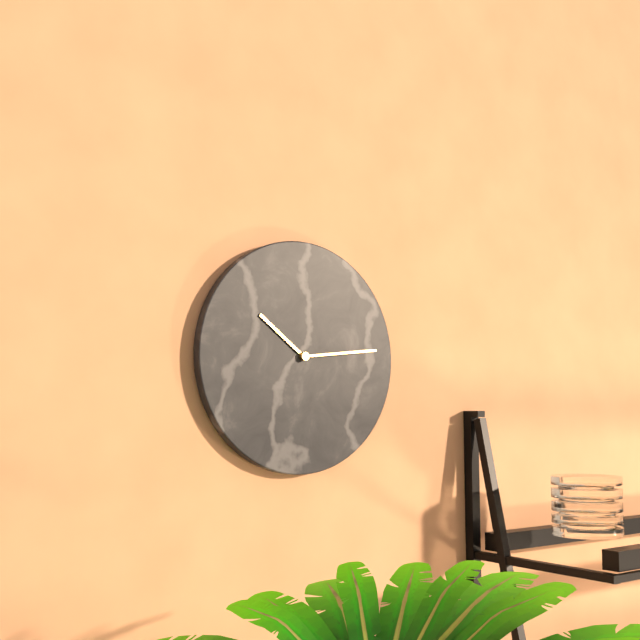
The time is 10,14
